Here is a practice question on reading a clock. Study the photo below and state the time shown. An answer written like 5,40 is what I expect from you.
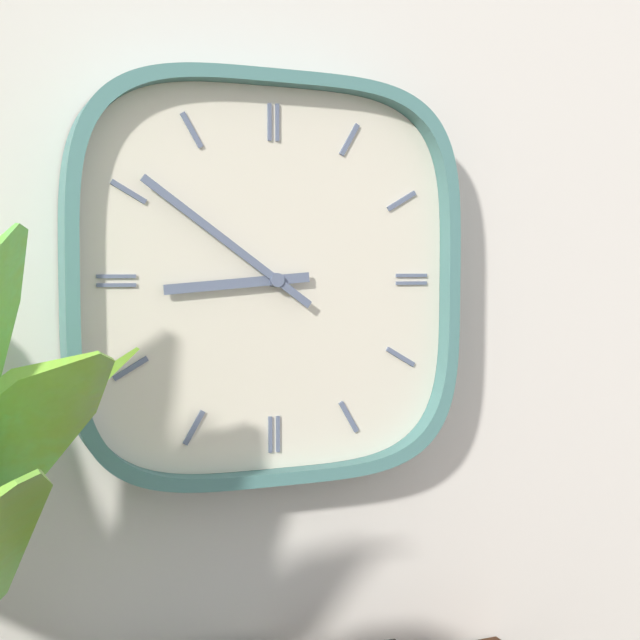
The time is 8,51
